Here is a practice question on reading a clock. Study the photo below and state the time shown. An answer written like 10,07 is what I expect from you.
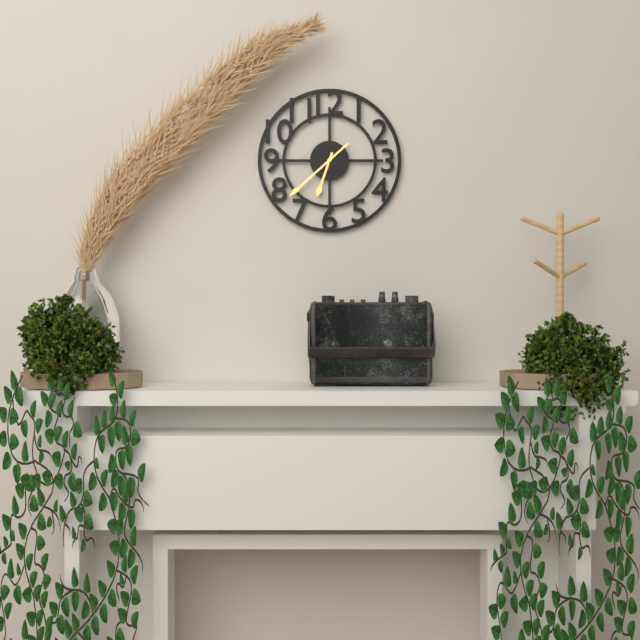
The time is 6,38
